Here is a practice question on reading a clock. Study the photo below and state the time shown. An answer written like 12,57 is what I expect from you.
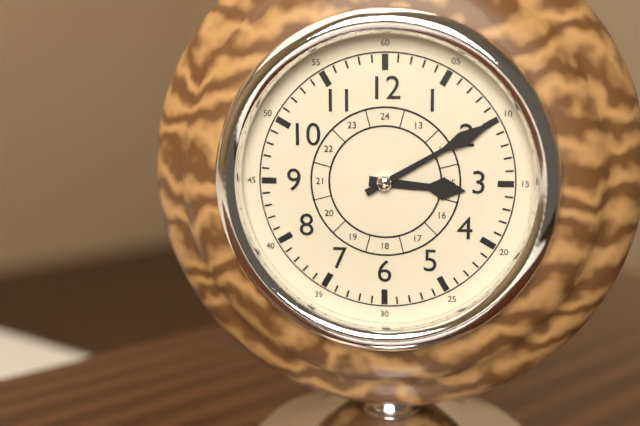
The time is 3,10
